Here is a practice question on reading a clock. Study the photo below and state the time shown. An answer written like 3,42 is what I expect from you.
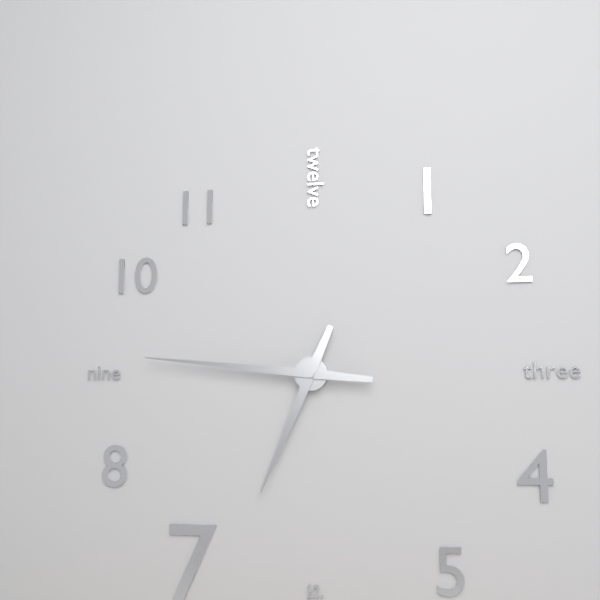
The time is 6,46
